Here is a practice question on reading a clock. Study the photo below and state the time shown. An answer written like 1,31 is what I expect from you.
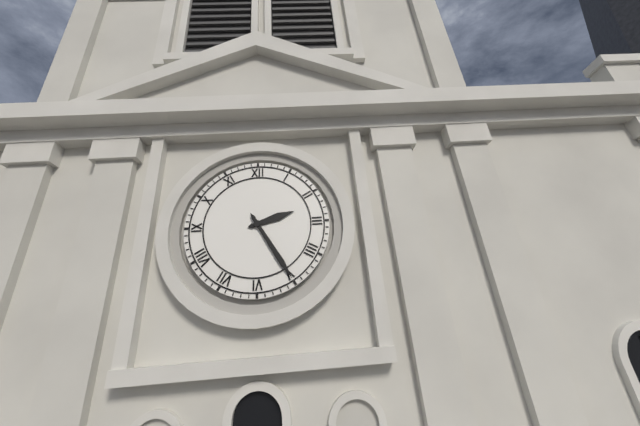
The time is 2,25
